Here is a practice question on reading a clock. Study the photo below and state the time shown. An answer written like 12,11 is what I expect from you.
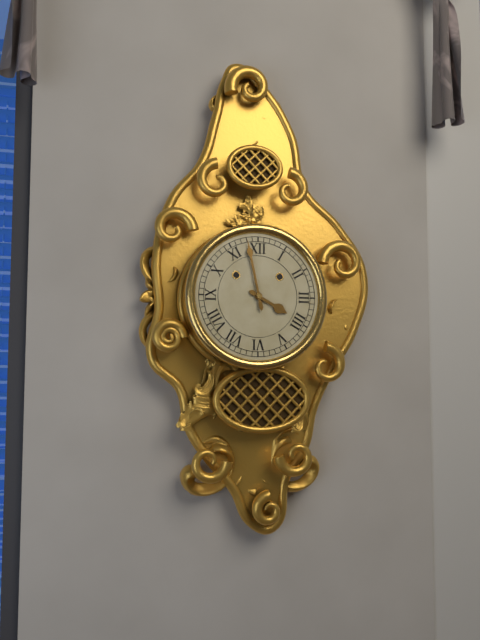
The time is 3,58
